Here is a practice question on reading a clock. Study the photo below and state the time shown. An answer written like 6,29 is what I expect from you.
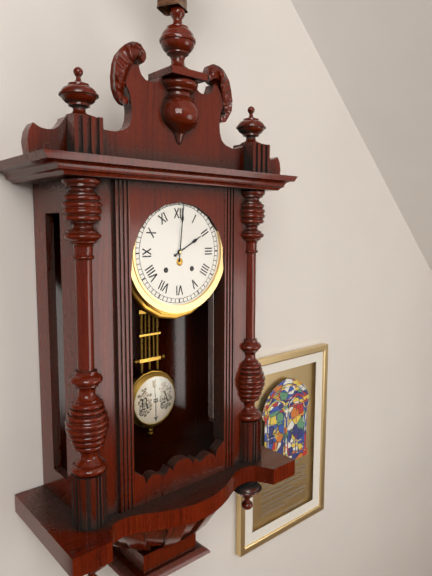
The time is 2,01
